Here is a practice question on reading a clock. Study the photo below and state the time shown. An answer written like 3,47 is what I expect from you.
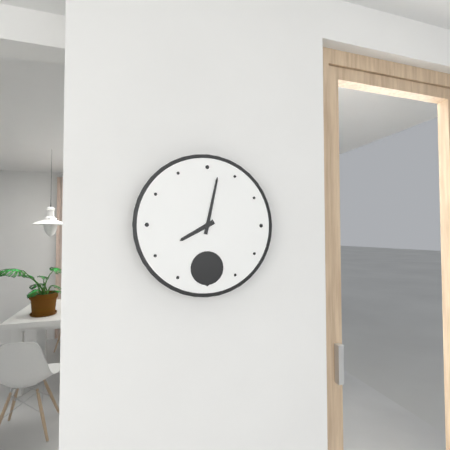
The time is 8,02
